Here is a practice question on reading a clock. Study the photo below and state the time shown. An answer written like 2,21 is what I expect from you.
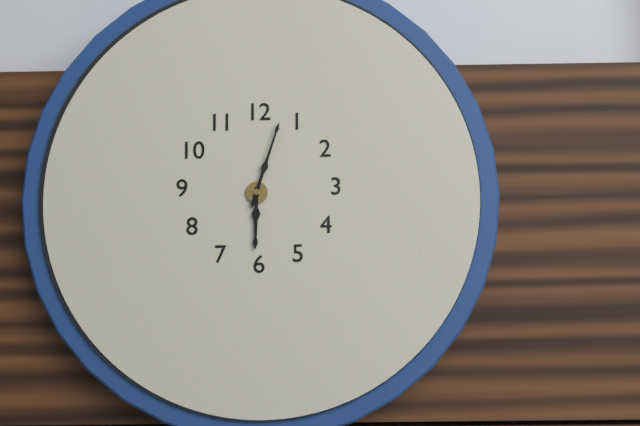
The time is 6,03
